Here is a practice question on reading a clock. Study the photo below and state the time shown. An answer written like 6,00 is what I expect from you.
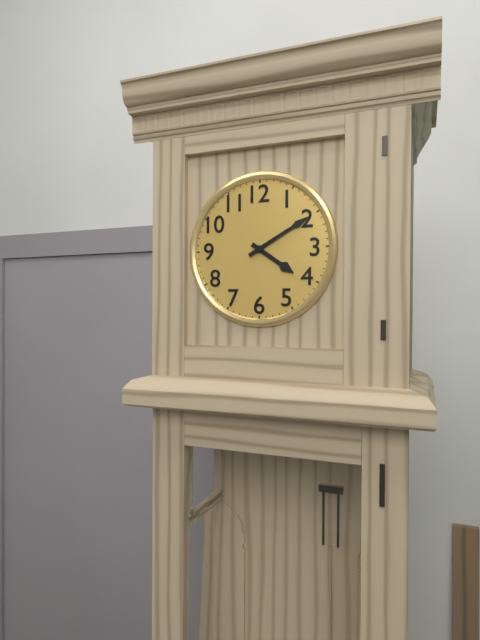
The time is 4,10
